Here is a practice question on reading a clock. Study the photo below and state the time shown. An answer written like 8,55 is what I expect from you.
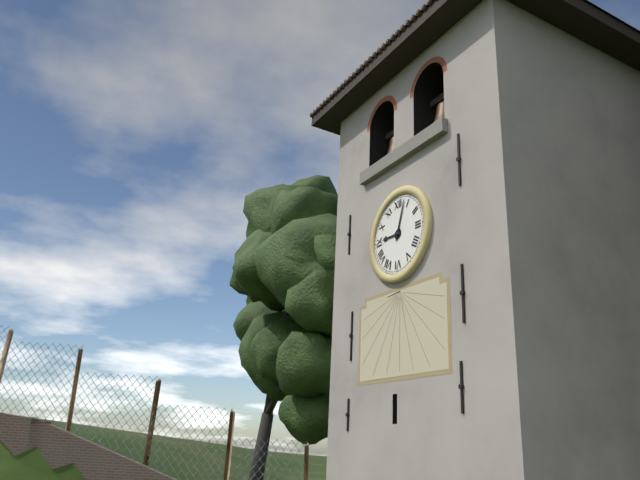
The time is 9,03
